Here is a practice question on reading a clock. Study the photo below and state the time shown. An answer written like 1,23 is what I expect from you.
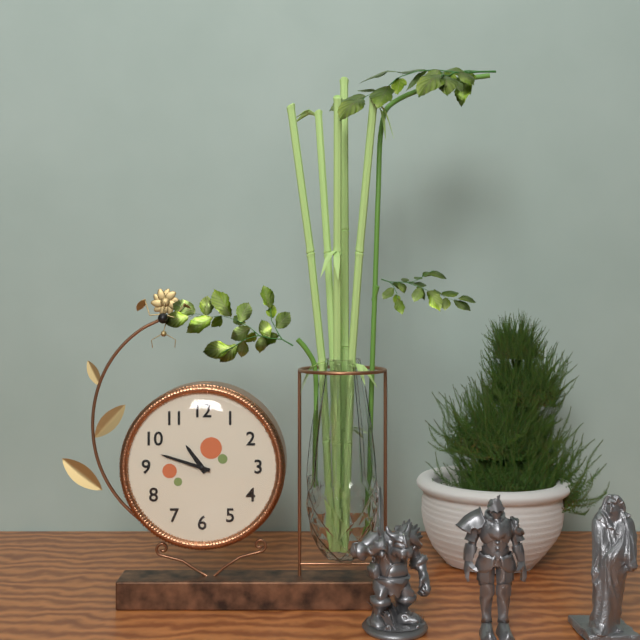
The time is 10,48
